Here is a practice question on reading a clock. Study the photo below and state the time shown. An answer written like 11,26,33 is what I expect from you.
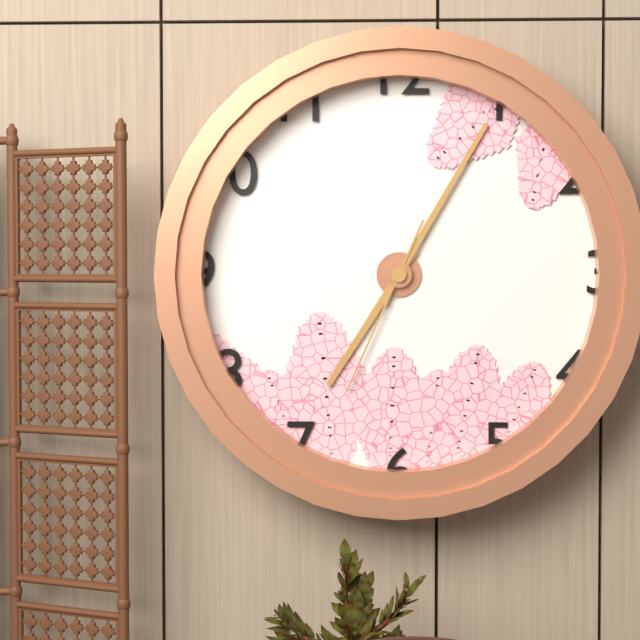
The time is 7,05,34
